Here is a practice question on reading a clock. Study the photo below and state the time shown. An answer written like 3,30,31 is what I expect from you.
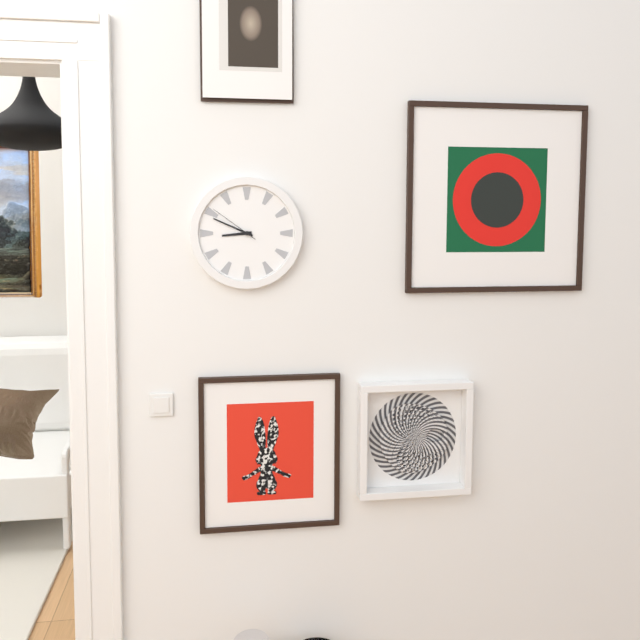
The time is 8,49,51
